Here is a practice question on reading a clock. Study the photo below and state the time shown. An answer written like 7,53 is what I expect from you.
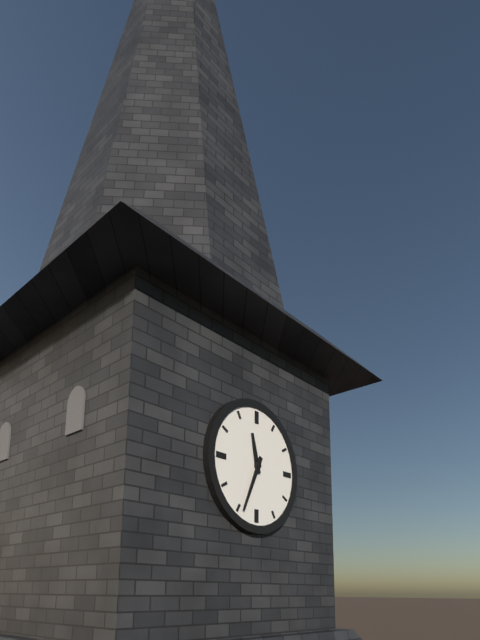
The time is 11,34
